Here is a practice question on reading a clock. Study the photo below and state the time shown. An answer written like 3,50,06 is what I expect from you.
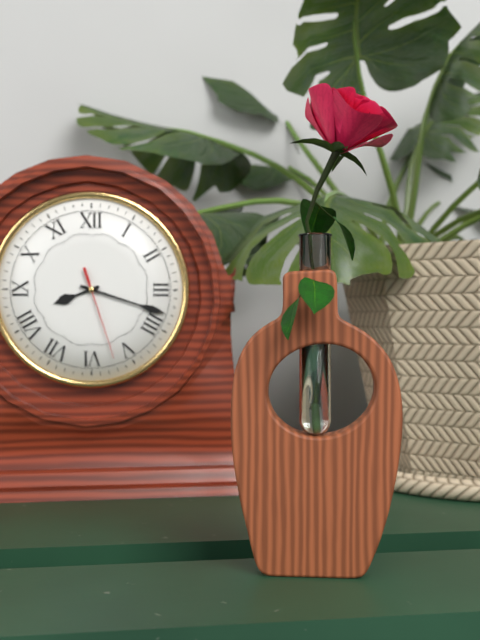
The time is 8,18,27
